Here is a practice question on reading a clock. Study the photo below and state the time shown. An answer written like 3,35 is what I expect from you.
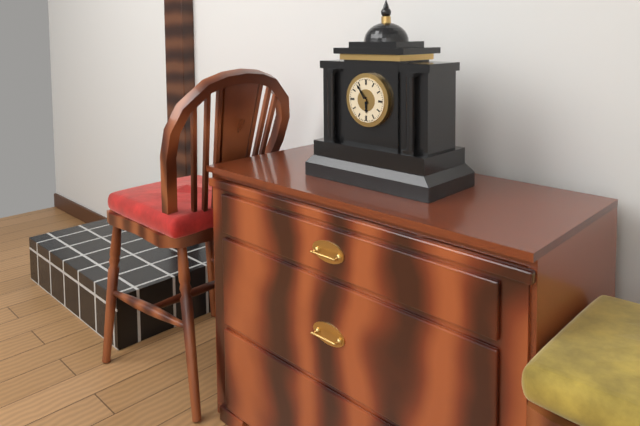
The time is 5,54
